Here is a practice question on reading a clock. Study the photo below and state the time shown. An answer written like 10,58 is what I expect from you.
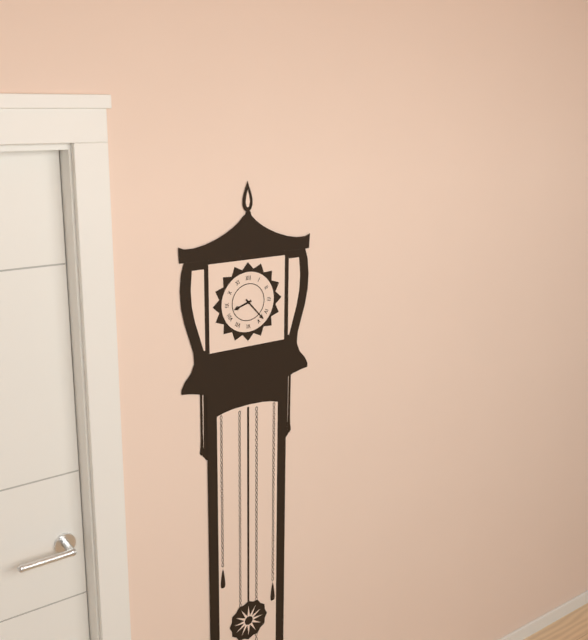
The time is 8,23
